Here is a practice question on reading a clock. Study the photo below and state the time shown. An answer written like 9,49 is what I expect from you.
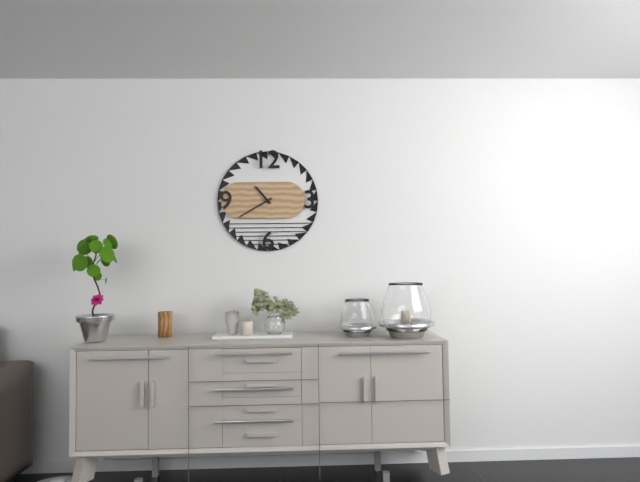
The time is 10,40
